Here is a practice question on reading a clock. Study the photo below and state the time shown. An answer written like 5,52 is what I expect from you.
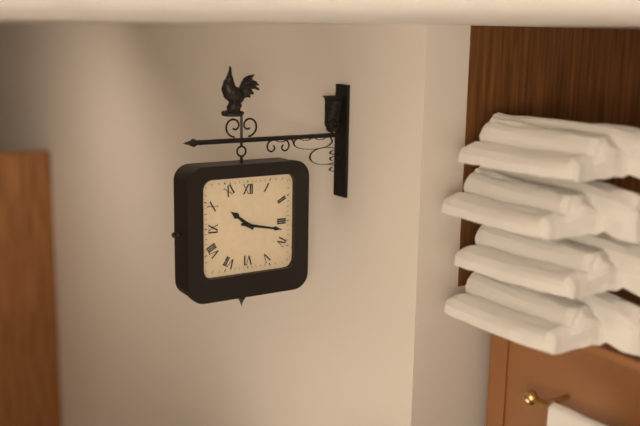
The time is 10,17
